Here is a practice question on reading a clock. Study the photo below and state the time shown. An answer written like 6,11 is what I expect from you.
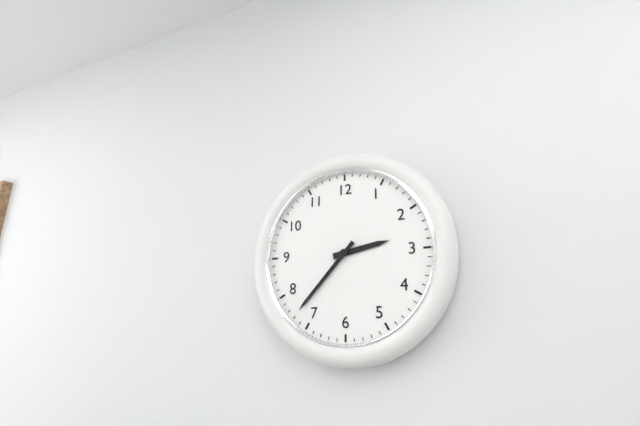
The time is 2,37
